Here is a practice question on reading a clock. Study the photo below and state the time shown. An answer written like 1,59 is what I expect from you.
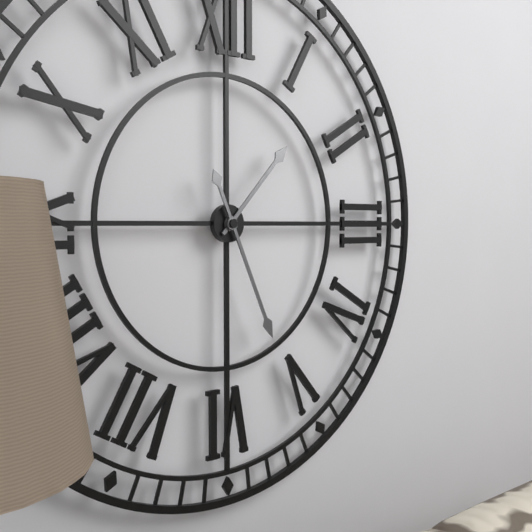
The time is 1,26
